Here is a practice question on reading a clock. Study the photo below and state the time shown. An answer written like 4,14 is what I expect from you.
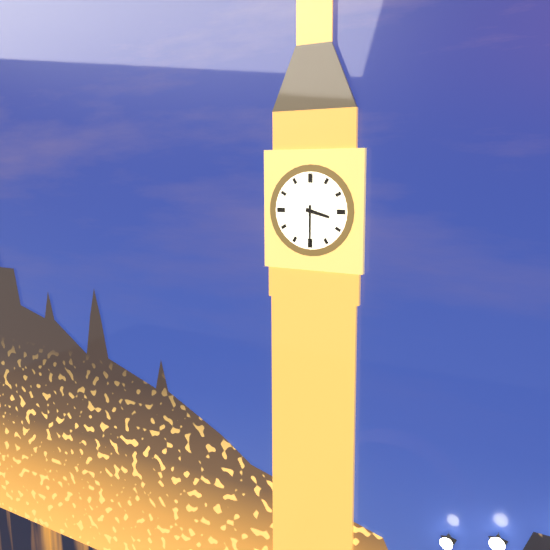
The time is 3,30
